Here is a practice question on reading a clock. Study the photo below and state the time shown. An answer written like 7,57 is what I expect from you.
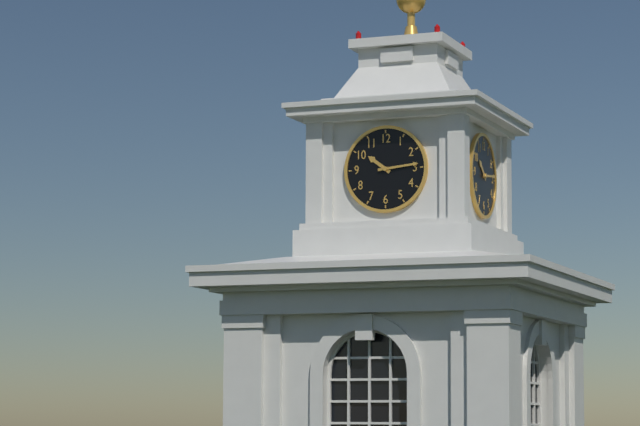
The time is 10,14
